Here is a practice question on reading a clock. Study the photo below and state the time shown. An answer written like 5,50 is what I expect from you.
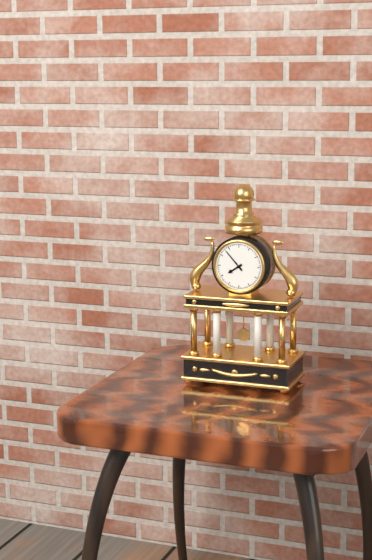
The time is 7,53
